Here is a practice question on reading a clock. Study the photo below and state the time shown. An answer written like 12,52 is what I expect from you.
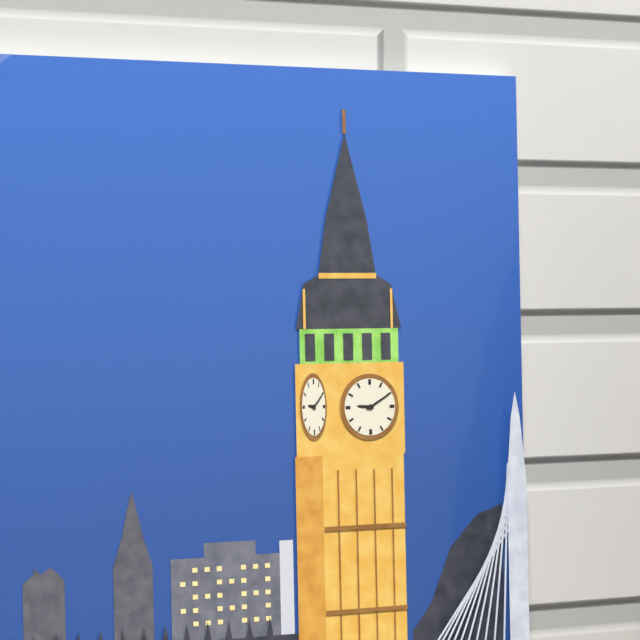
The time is 9,10
